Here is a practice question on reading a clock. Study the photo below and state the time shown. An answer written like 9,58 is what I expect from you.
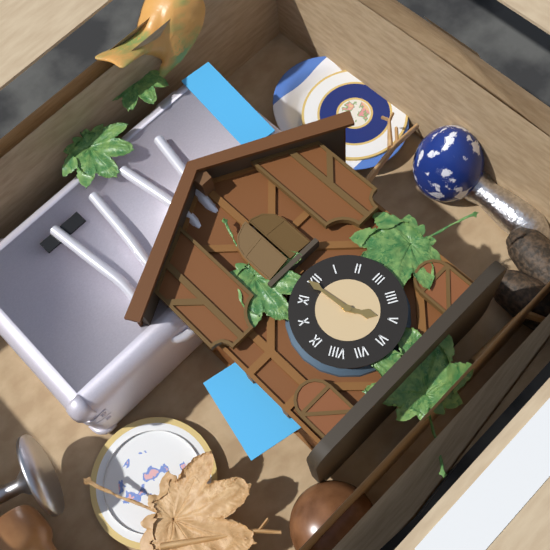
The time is 4,59
